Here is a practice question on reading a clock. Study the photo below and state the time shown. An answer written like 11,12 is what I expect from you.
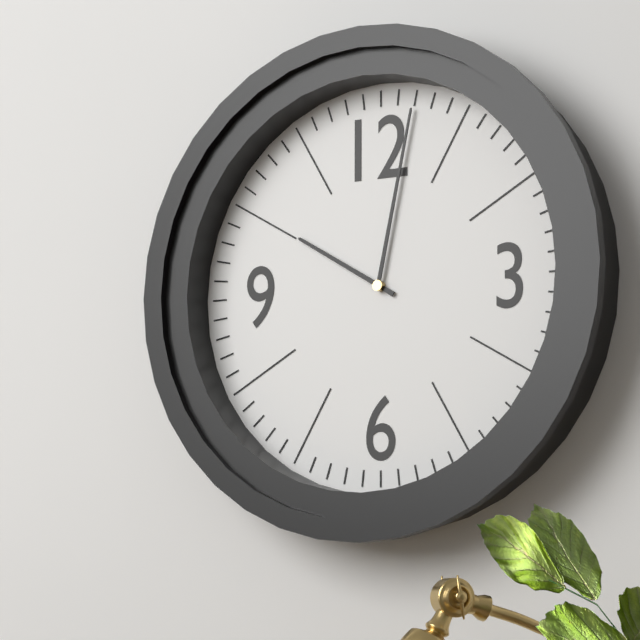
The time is 10,02
